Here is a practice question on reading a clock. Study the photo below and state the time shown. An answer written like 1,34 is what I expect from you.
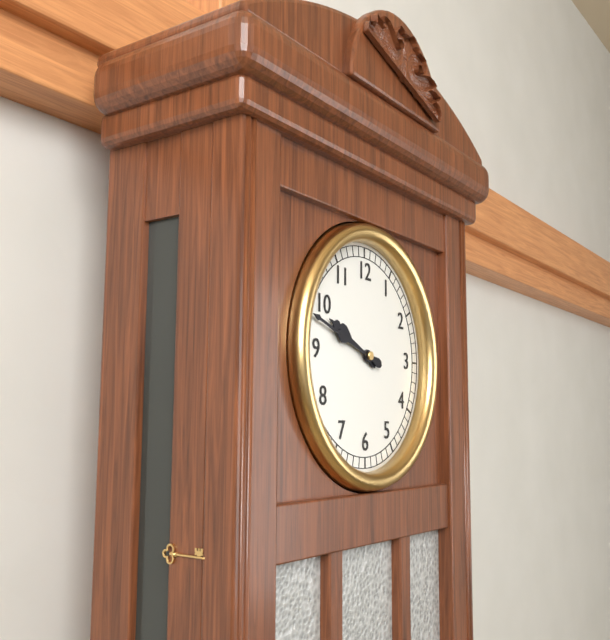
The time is 9,48
